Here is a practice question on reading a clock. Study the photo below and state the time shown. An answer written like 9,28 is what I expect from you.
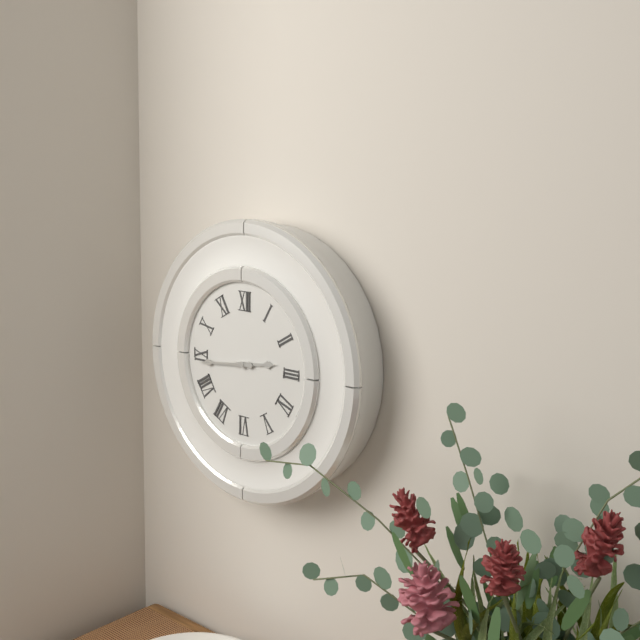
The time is 2,44
